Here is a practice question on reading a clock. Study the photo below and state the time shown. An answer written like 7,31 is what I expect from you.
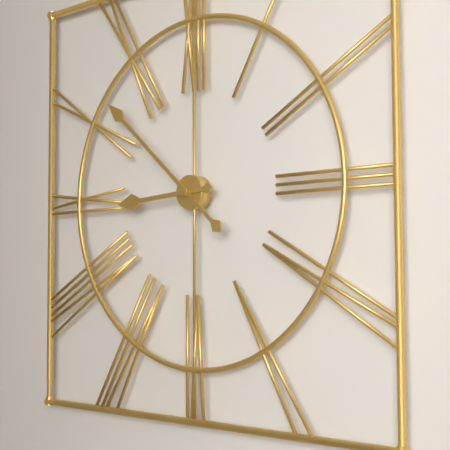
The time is 8,52
